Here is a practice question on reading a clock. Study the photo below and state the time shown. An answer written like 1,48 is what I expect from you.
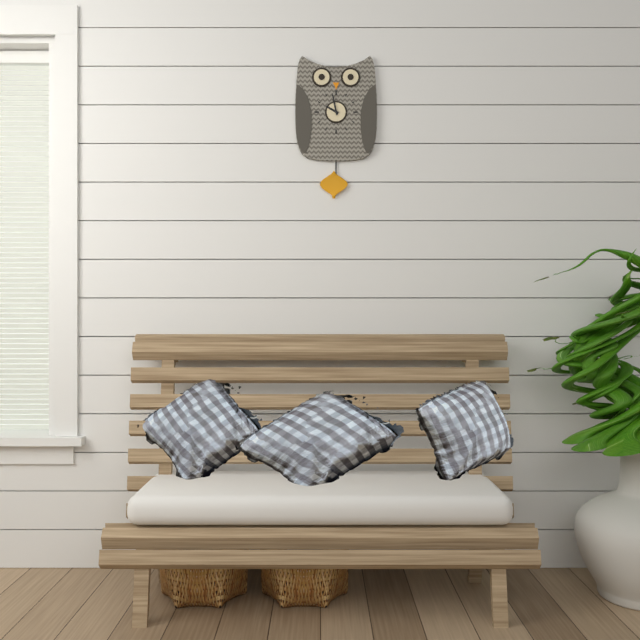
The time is 9,58
